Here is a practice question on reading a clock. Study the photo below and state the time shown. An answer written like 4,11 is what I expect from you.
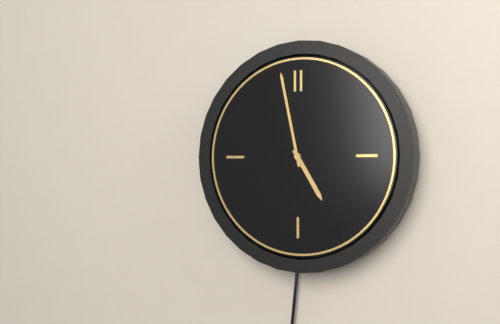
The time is 4,58
